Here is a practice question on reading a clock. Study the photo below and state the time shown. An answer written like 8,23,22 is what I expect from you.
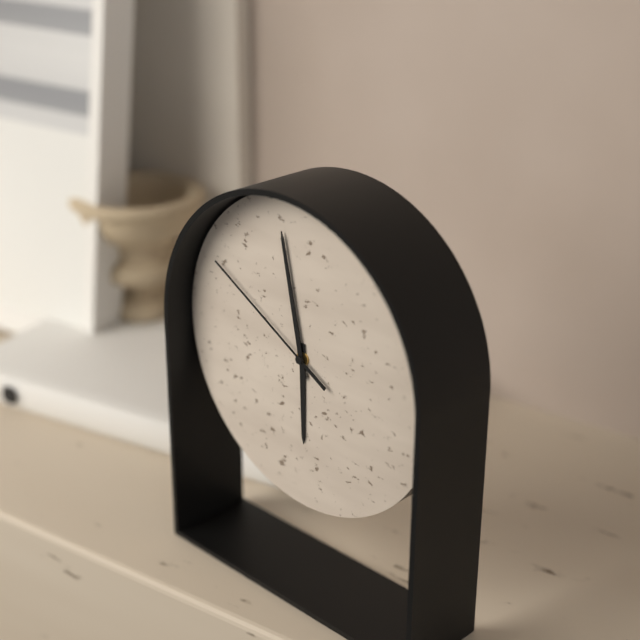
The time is 5,58,50
